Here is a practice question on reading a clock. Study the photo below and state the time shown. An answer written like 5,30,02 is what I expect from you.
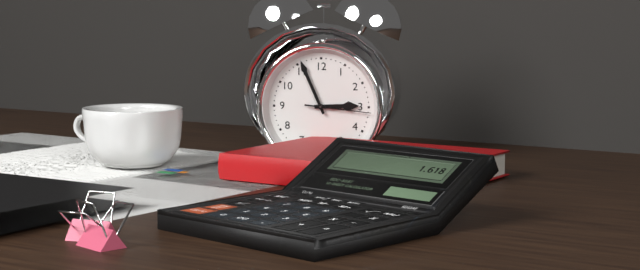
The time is 2,56,16
